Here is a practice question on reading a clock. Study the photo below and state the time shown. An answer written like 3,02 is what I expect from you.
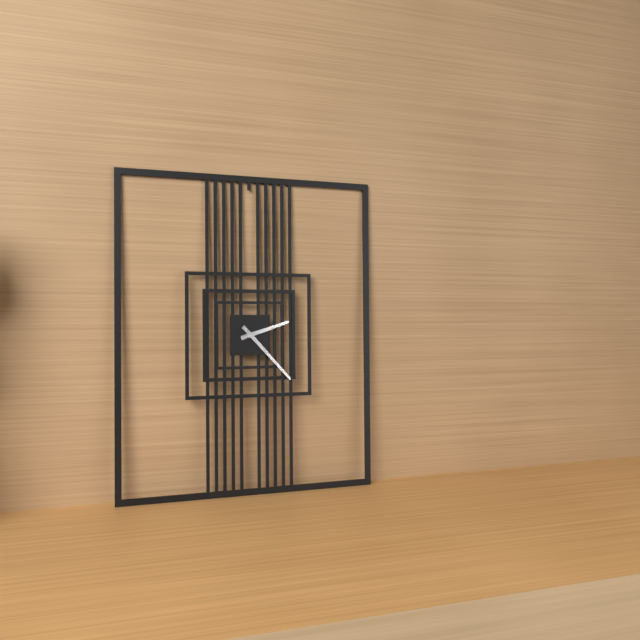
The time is 2,23
